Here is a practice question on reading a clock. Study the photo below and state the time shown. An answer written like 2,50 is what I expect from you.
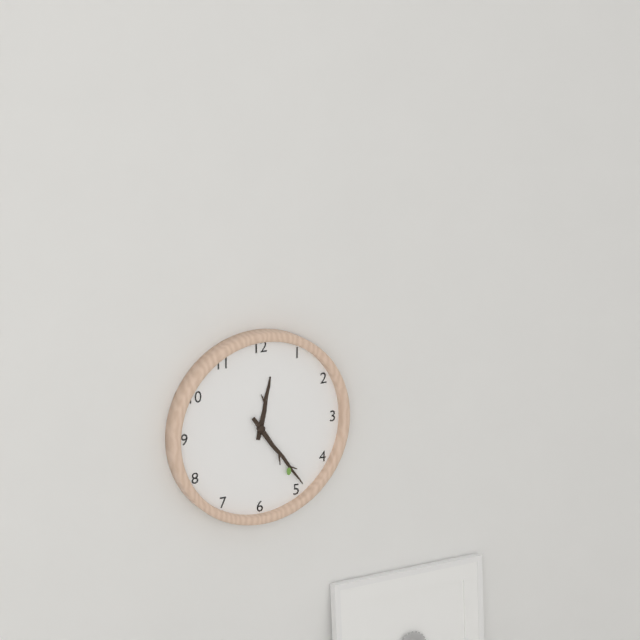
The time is 12,24
